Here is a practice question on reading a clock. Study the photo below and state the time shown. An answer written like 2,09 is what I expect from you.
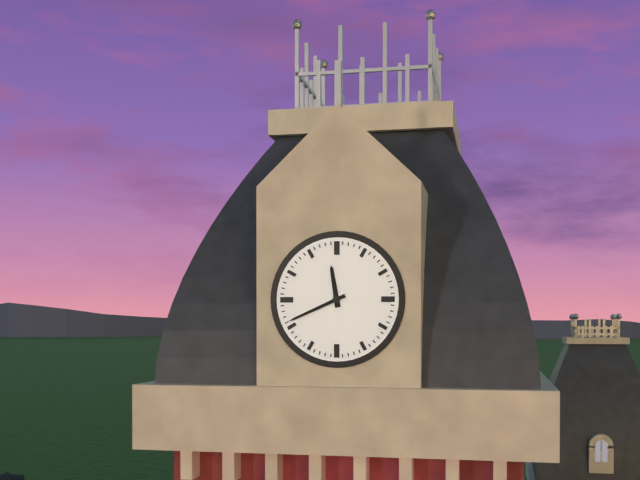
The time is 11,41
